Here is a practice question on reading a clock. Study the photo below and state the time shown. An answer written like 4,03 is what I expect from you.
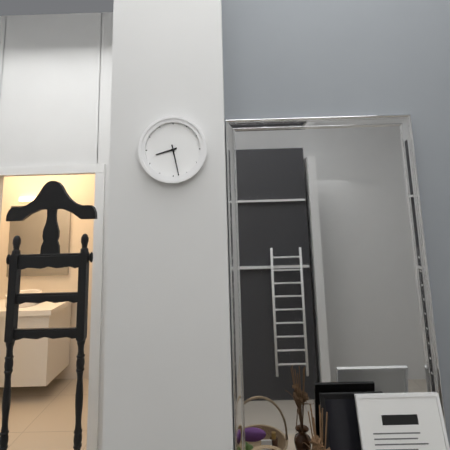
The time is 8,28
